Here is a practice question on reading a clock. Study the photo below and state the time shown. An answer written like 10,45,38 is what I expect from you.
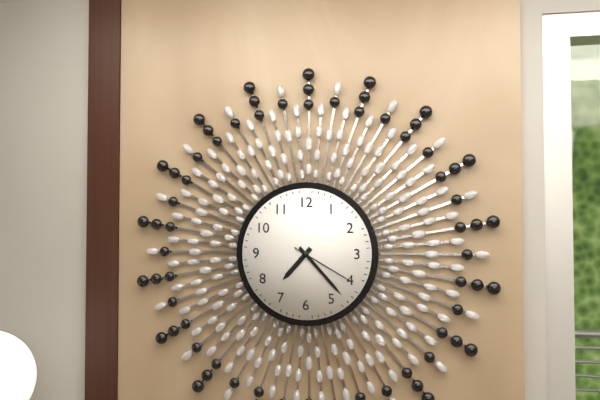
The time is 7,23,20
